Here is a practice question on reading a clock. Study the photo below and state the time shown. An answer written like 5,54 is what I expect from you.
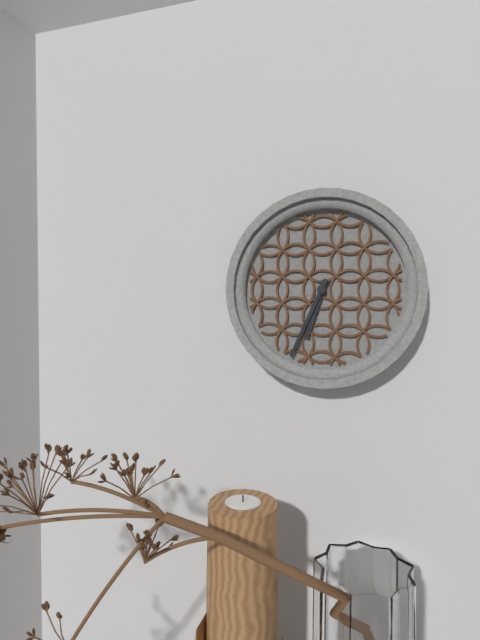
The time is 6,34
